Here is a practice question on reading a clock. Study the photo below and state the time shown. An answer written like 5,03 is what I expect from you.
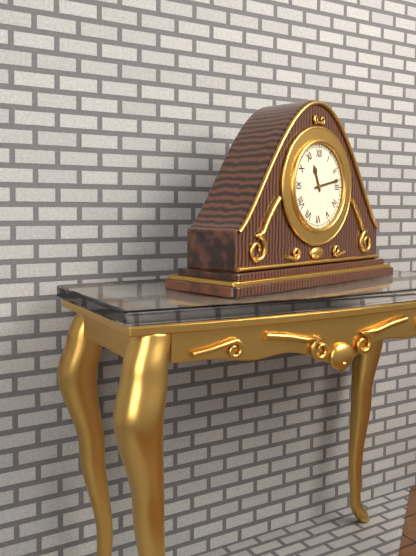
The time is 11,13
